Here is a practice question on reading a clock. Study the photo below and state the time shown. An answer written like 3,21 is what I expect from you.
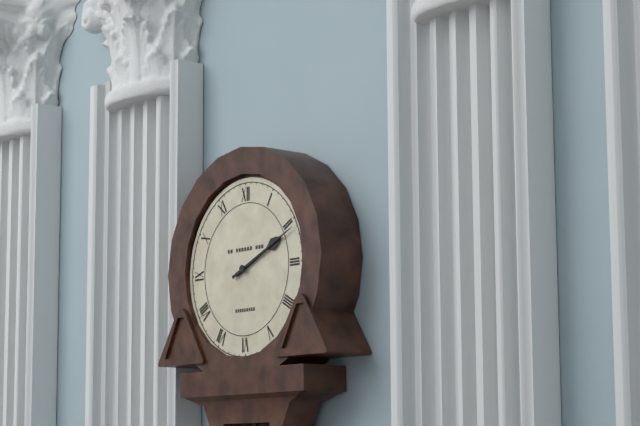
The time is 2,11
